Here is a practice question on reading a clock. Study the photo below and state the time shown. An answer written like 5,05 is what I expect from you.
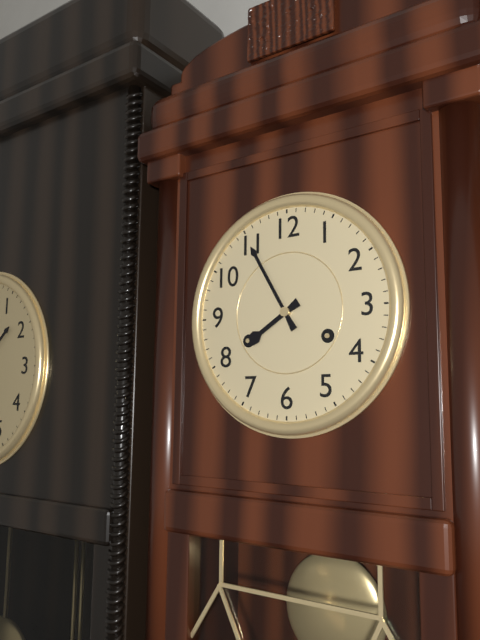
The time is 7,55
